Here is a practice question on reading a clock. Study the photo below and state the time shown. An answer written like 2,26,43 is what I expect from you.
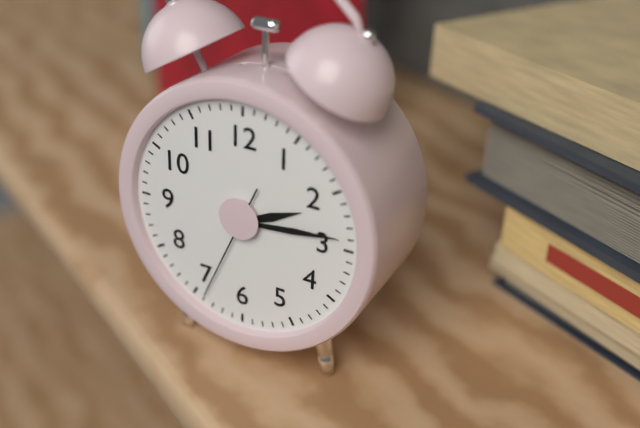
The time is 2,14,34
